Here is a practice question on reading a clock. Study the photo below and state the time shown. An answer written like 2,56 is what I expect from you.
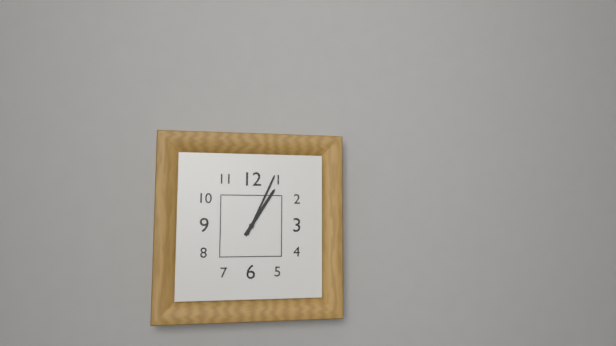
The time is 1,04
